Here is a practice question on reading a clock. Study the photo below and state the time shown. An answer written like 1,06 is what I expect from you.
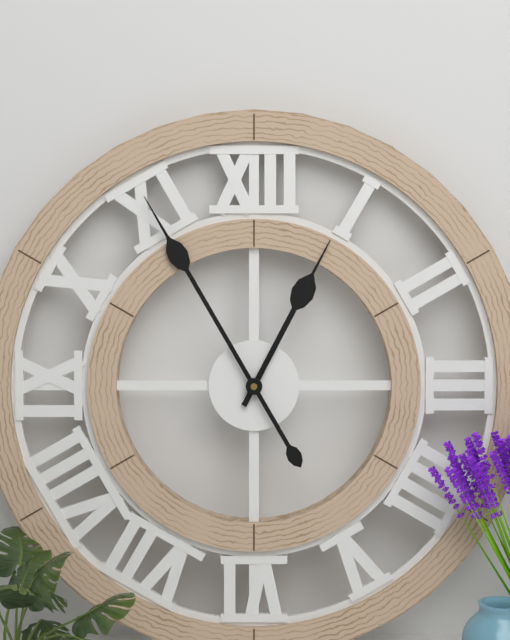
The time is 12,55
